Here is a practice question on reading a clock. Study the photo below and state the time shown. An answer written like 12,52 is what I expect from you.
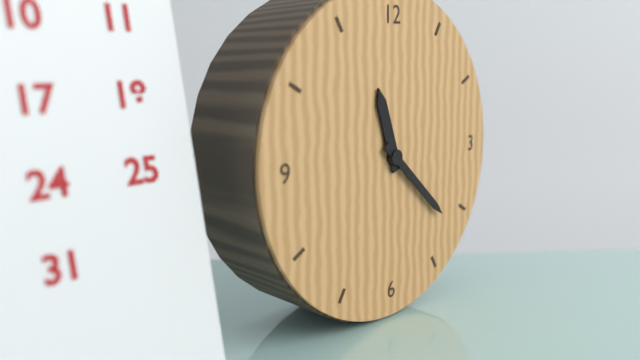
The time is 11,22
